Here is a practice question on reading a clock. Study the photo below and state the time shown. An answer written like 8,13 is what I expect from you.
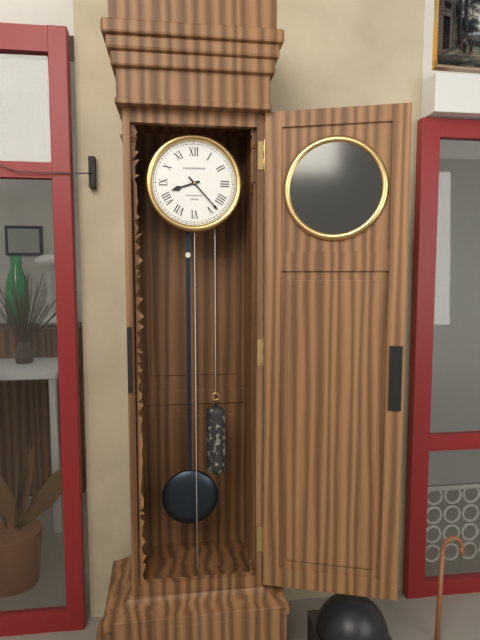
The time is 8,23
